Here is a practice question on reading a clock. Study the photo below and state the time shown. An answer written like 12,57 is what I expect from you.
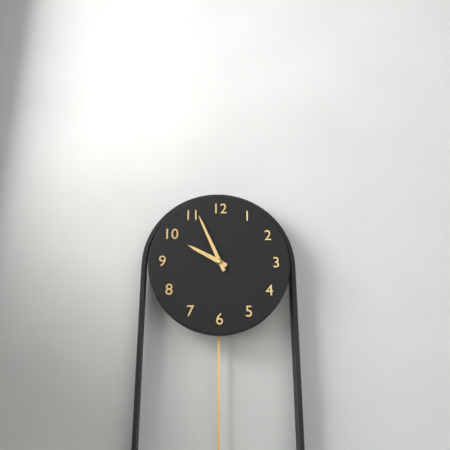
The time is 9,56
